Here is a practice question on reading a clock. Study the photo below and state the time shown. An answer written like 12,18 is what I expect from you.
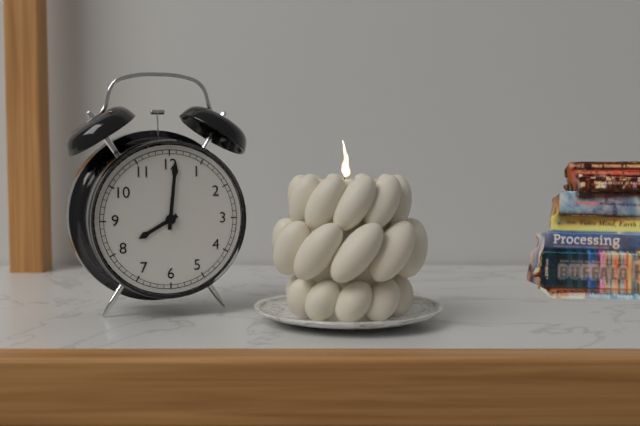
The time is 8,01
